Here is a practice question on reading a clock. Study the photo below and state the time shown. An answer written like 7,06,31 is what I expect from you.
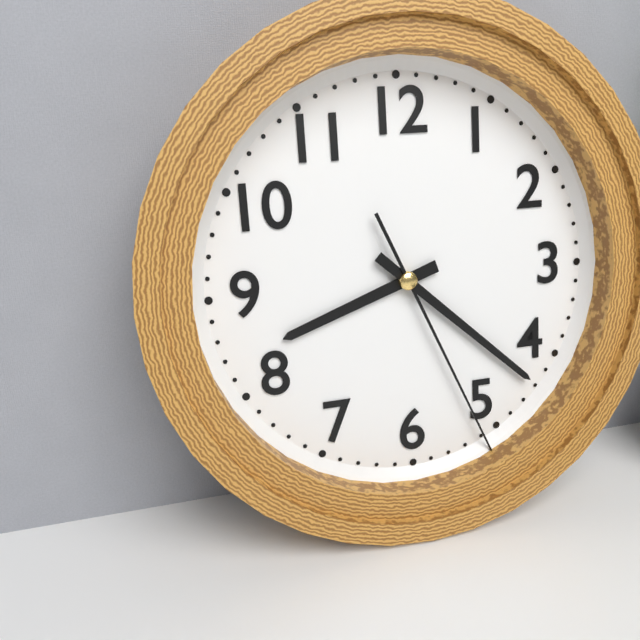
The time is 8,22,26
